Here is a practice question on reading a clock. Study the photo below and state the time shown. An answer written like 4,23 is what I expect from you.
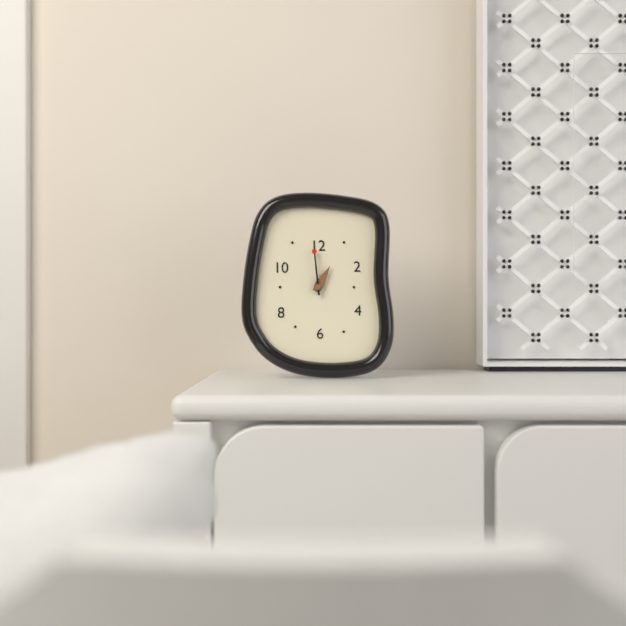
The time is 12,59
